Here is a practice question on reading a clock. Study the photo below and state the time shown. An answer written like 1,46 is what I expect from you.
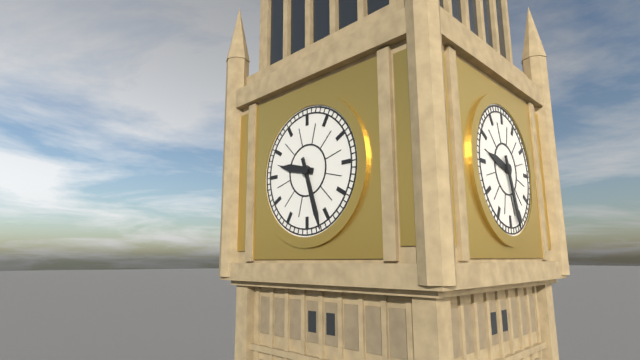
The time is 9,27
